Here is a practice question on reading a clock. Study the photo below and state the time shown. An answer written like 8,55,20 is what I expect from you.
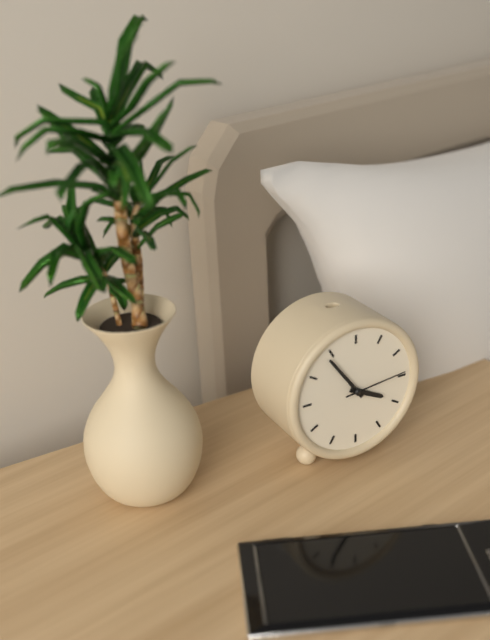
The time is 3,54,14
